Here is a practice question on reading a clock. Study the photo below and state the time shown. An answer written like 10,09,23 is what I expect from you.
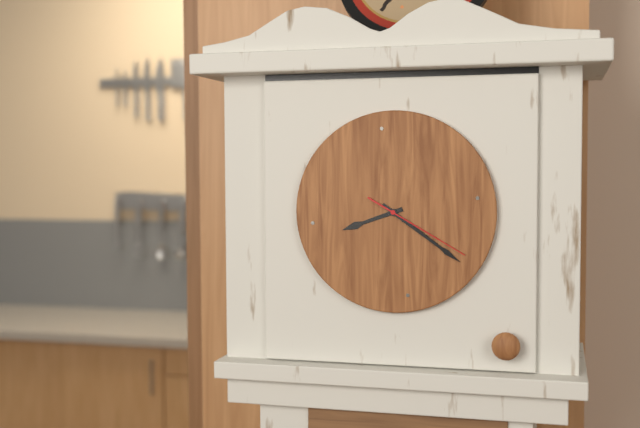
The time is 8,21,20
